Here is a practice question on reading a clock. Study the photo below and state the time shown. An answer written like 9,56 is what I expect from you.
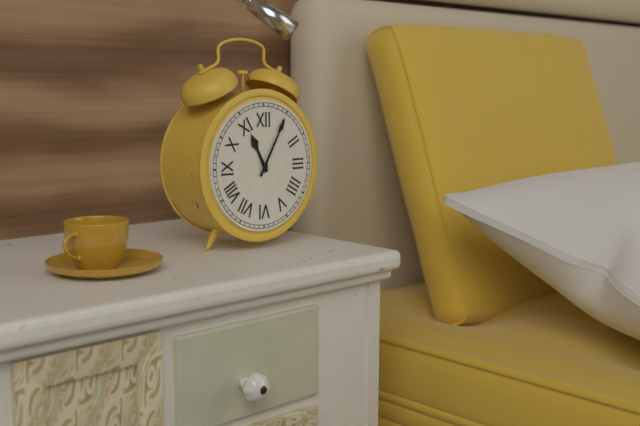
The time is 11,05
